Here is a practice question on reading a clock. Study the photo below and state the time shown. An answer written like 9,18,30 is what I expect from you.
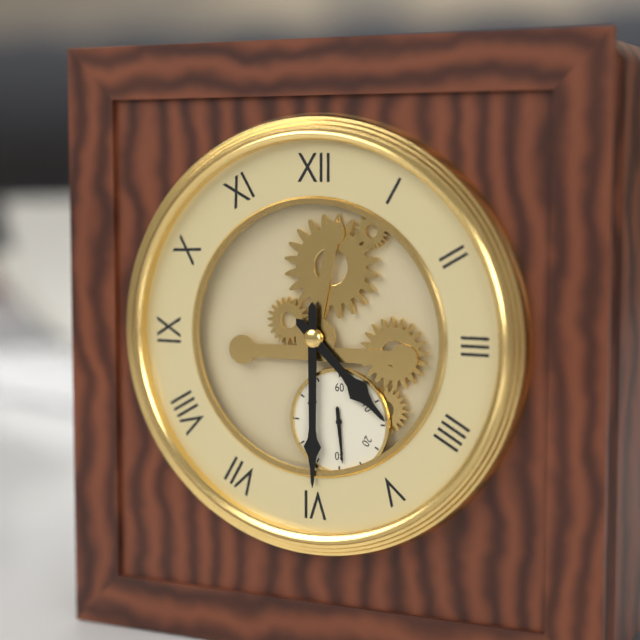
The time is 4,30,29
